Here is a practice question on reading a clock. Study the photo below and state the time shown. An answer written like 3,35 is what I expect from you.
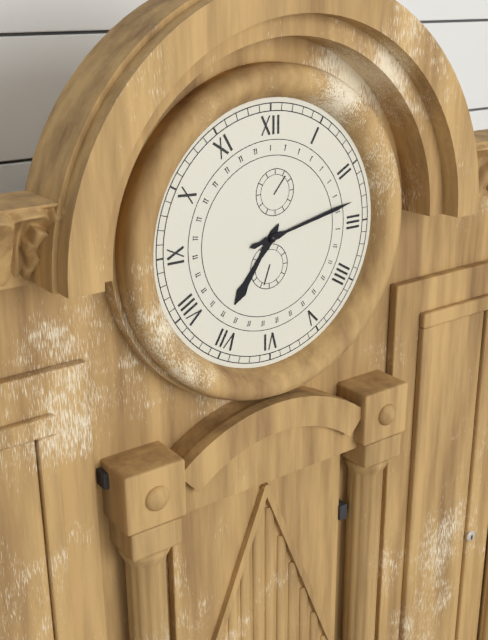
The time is 7,13
